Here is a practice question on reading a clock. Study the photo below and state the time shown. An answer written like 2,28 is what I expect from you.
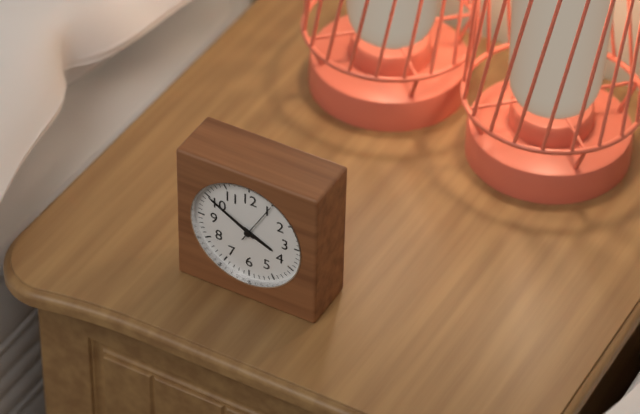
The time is 3,50
